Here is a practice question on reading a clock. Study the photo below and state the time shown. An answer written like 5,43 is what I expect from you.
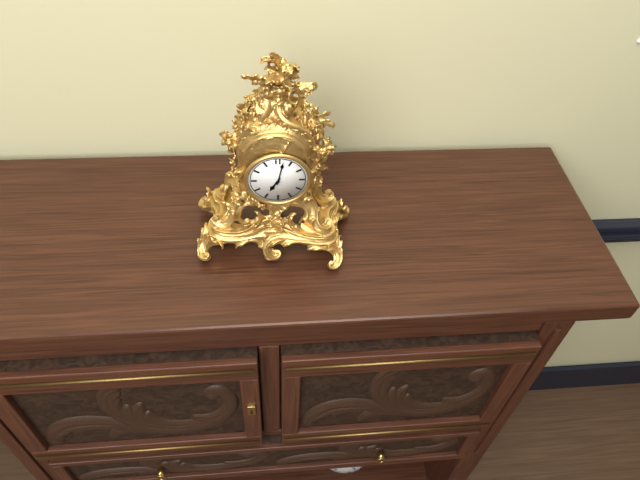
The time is 7,02
